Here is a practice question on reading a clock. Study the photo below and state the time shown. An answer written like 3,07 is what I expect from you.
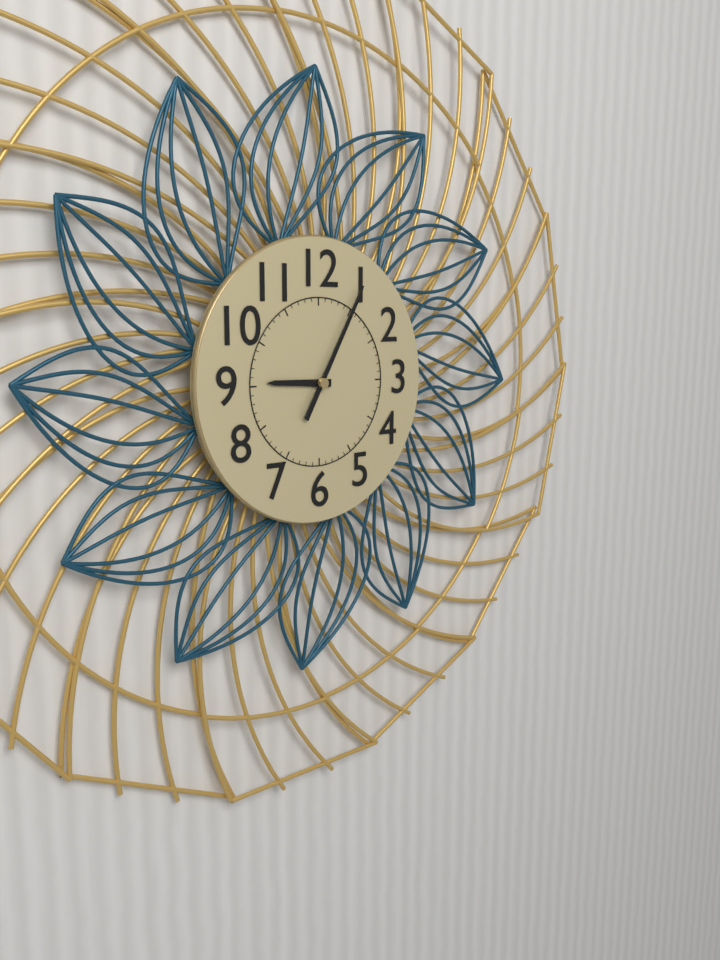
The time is 9,05
